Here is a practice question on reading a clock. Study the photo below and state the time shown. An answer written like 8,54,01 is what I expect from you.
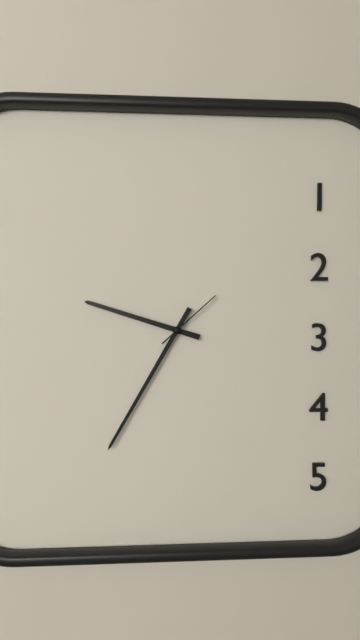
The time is 9,35,08
